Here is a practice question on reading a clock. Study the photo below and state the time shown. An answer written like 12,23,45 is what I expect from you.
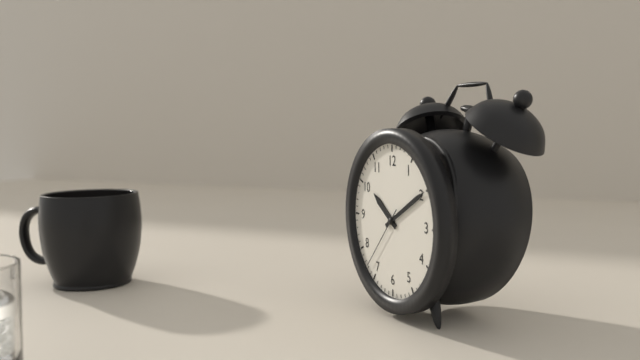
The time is 10,10,37
